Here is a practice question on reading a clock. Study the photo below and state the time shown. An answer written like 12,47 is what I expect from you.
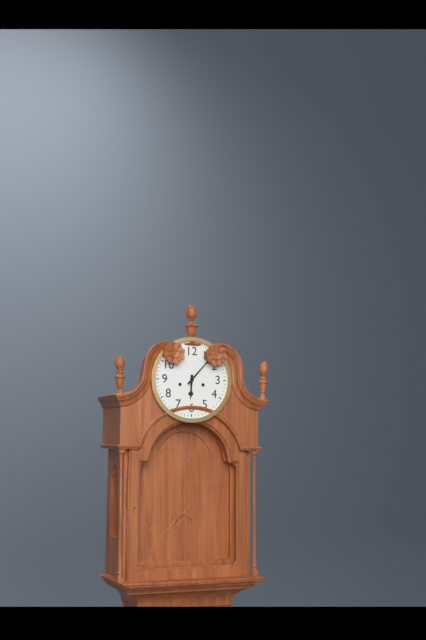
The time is 6,07
